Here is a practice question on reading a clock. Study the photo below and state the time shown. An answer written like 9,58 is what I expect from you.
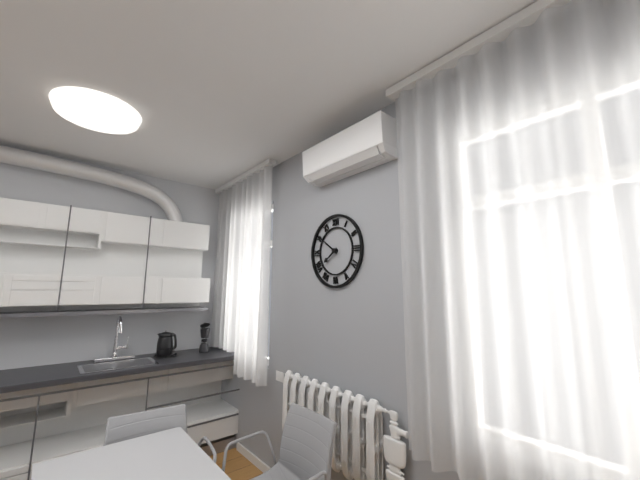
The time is 7,51
